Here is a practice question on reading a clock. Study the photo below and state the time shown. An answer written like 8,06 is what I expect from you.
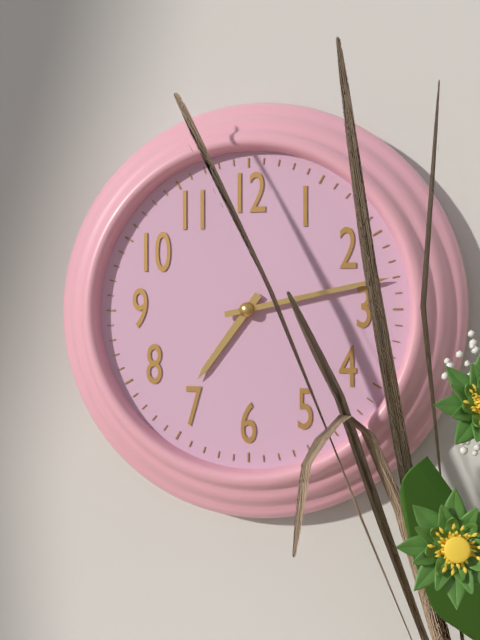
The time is 7,13
